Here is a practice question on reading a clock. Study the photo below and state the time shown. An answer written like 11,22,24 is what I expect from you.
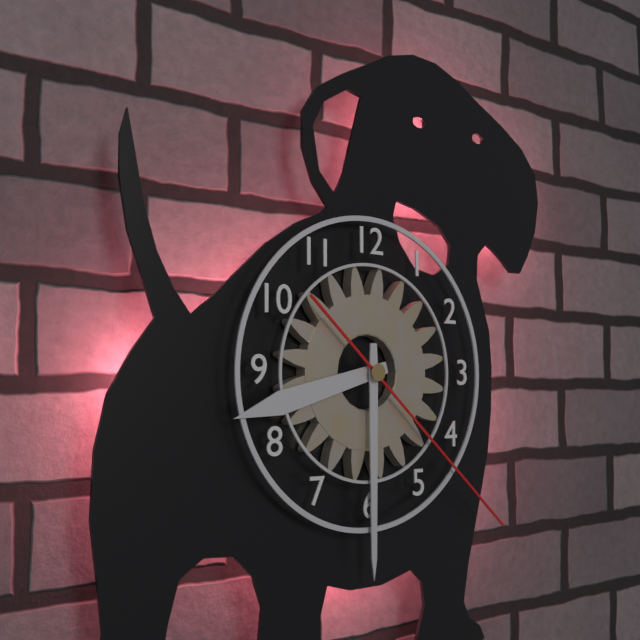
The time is 8,30,22
